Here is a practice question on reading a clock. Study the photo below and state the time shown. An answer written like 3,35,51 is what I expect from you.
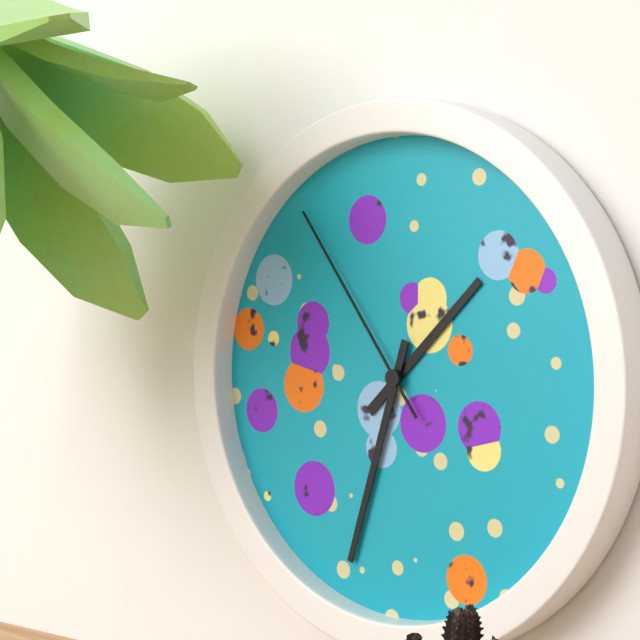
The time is 1,33,54
